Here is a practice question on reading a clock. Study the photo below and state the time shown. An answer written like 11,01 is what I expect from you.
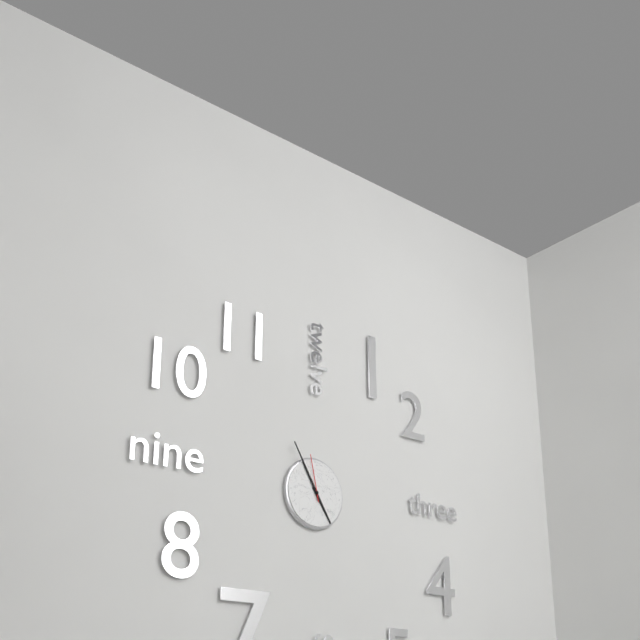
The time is 4,55
